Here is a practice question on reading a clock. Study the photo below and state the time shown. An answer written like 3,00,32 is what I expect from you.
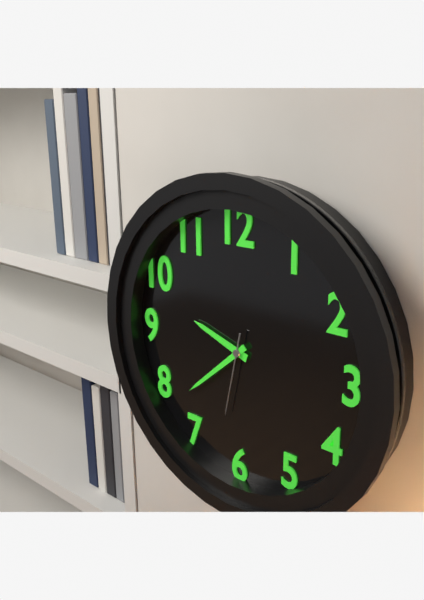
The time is 9,38,32
